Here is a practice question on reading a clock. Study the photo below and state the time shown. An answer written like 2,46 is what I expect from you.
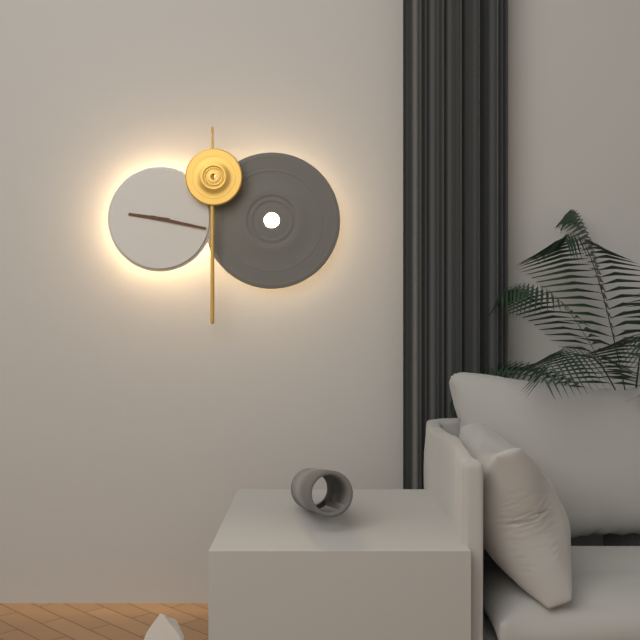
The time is 9,17
